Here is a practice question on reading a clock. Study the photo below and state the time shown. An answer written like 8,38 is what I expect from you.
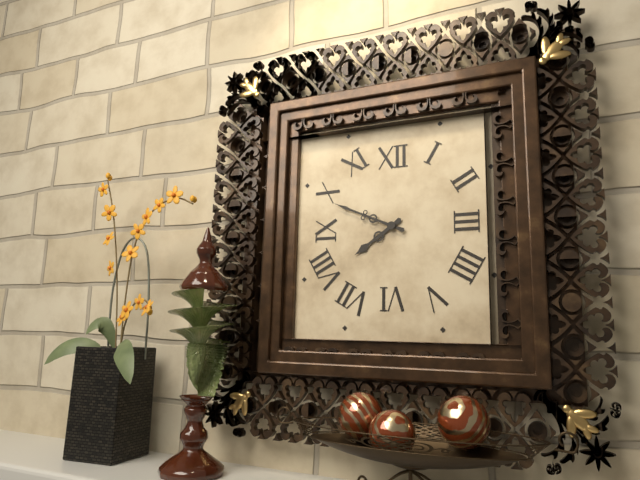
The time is 7,49
